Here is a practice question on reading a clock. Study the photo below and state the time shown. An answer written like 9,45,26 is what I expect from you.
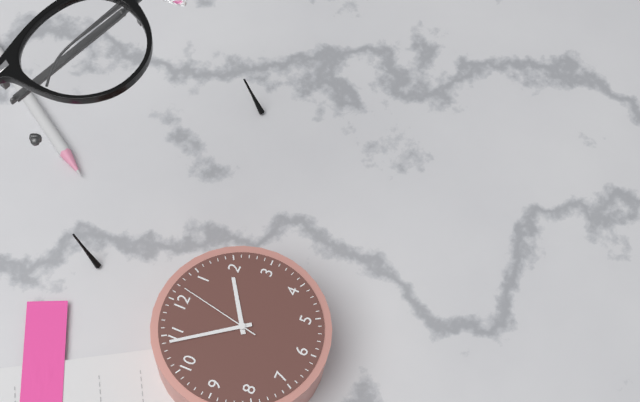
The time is 1,54,02
